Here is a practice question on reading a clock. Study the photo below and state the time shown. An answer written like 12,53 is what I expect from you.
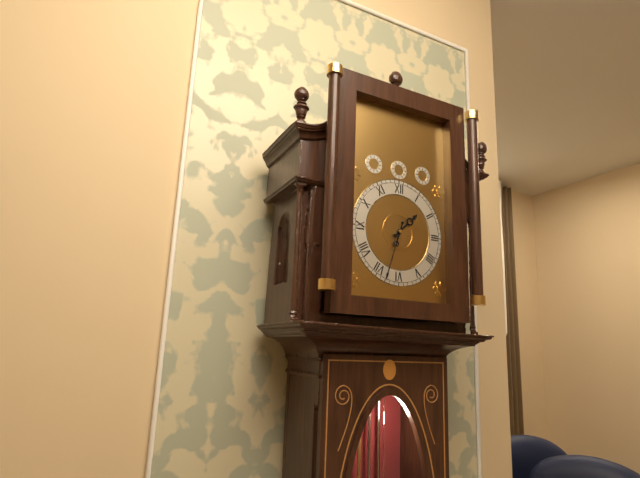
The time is 1,33
